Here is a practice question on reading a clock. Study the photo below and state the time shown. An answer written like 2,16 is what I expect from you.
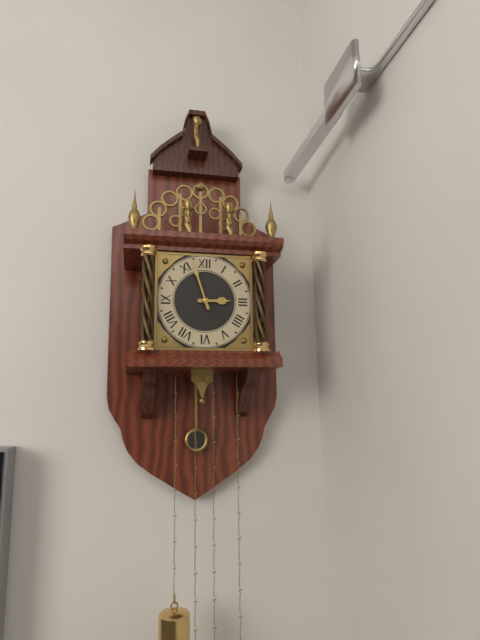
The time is 2,57
